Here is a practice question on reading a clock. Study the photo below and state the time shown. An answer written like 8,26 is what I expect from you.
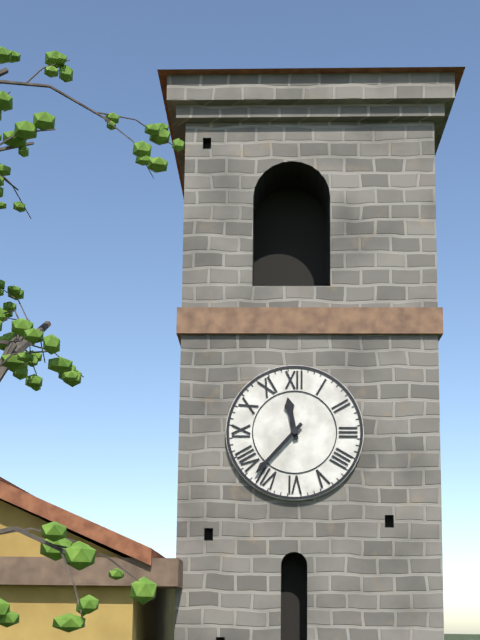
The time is 11,37
